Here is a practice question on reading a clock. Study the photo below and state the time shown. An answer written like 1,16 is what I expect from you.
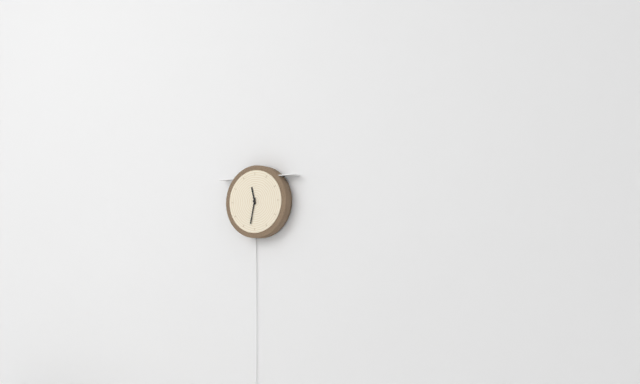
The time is 11,32
